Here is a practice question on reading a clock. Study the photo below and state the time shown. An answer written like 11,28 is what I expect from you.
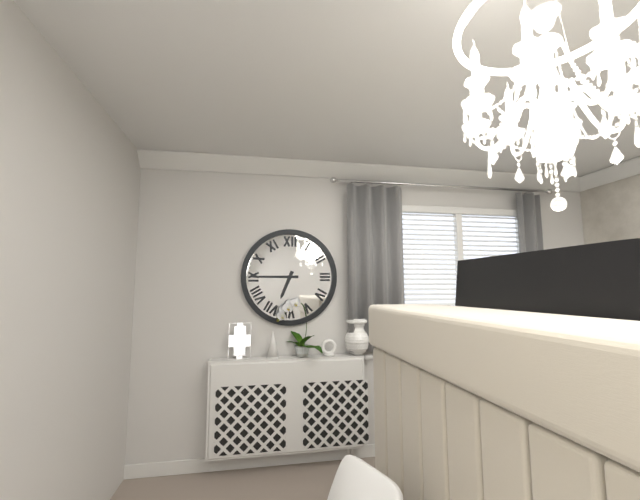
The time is 6,45
